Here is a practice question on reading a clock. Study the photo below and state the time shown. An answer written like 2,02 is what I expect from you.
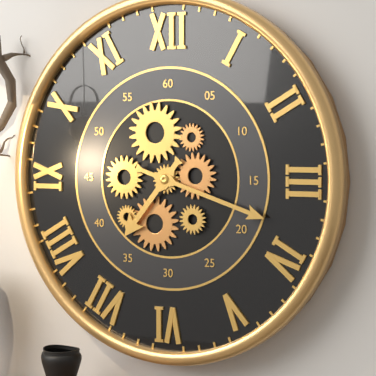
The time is 7,18
